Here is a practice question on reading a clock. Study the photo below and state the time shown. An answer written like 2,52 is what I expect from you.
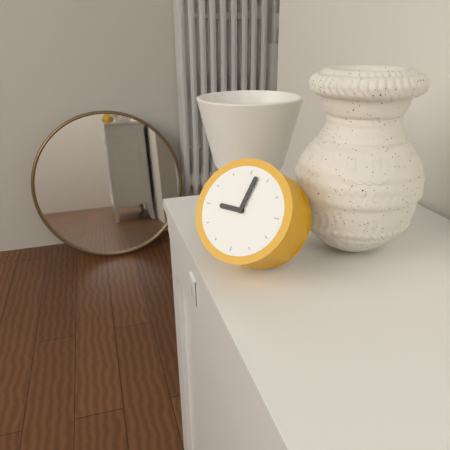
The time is 9,02
